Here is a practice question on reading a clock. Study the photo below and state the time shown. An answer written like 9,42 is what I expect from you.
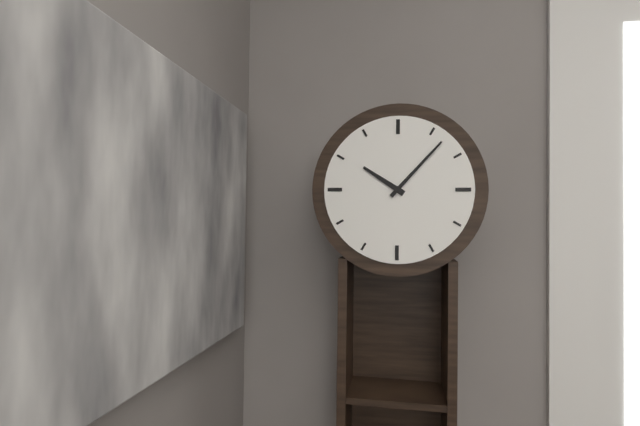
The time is 10,07
